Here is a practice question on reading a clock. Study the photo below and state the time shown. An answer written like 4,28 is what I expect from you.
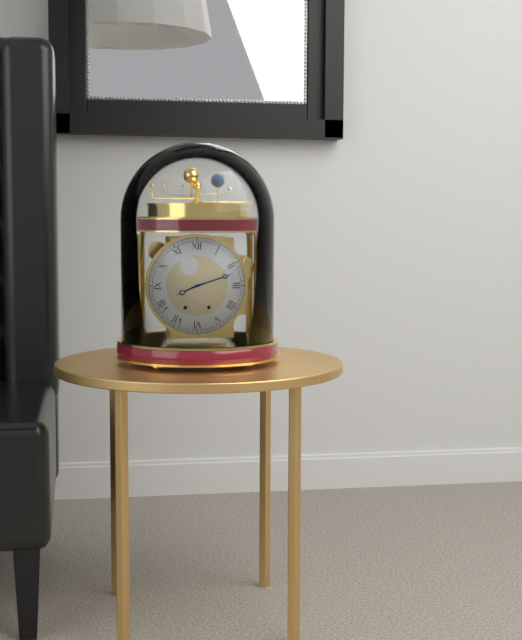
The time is 8,12
